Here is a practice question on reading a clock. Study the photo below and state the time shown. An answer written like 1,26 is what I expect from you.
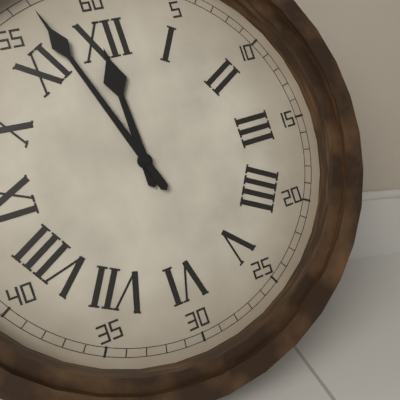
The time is 11,57
